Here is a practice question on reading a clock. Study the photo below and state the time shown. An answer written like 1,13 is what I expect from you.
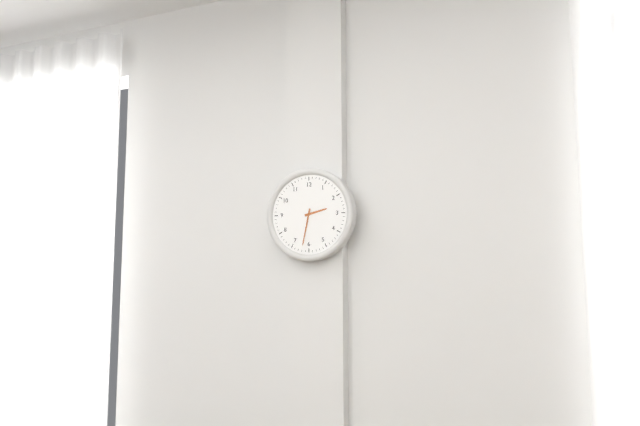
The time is 2,32
